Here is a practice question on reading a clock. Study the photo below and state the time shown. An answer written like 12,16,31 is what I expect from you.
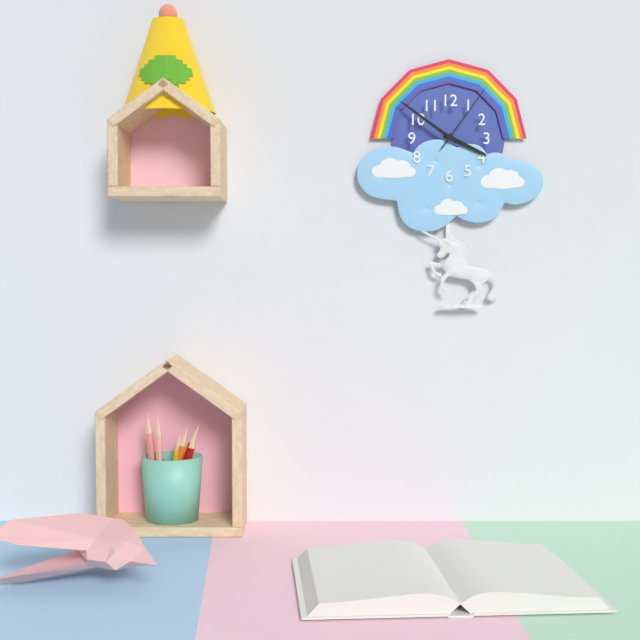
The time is 3,51,06
